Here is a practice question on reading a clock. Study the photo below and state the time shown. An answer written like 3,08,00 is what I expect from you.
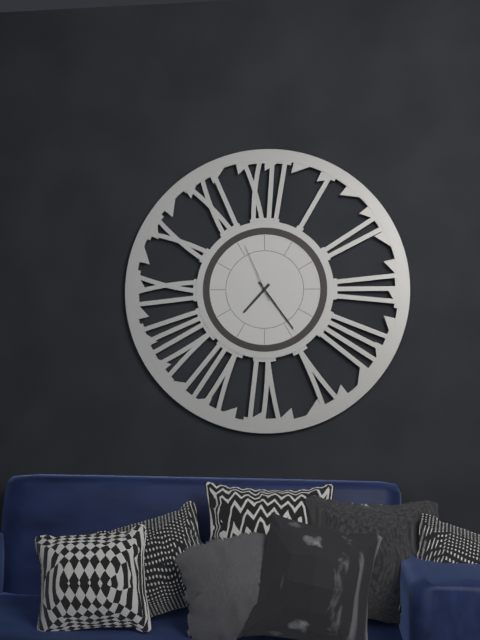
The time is 7,24,56
